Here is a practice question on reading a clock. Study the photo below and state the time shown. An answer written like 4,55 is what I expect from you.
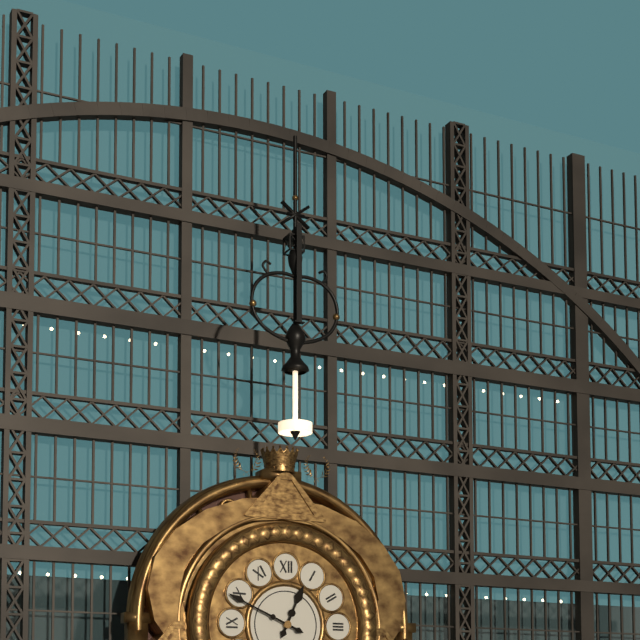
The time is 12,49
